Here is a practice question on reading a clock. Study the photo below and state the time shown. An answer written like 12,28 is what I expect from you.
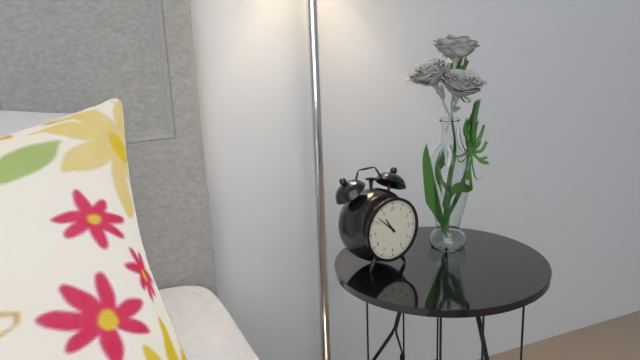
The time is 10,52
